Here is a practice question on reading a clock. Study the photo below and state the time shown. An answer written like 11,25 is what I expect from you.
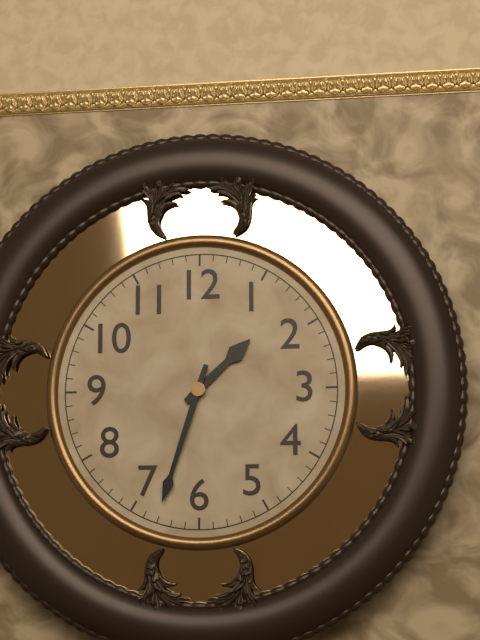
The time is 1,33
